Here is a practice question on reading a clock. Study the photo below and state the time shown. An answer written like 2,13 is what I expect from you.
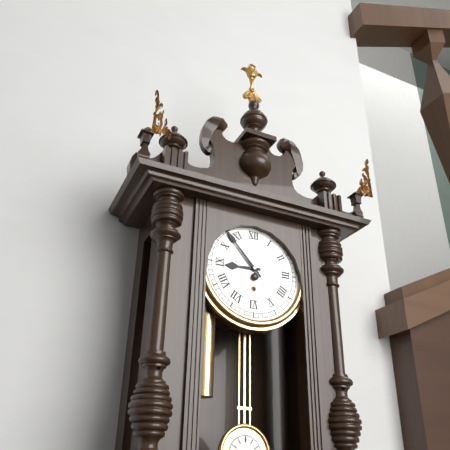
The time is 8,53
